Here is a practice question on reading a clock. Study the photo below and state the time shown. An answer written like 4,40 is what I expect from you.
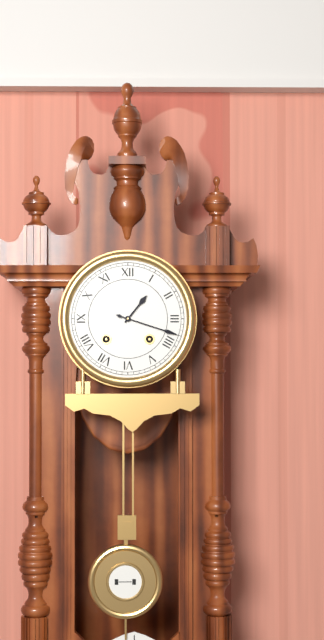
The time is 1,18
